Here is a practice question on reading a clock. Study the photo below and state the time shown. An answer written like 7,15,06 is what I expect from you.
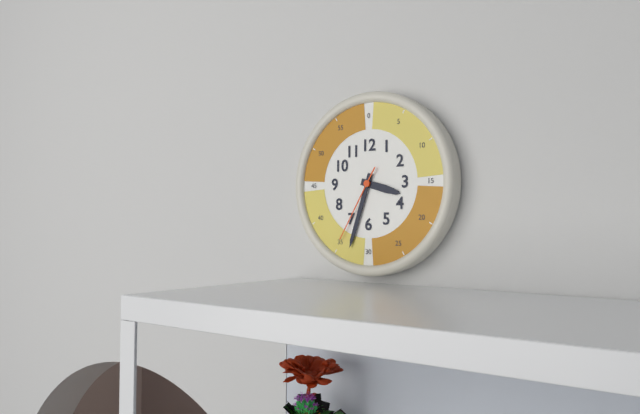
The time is 3,33,35
